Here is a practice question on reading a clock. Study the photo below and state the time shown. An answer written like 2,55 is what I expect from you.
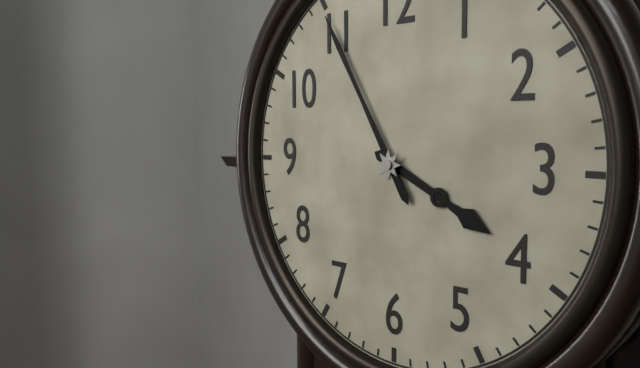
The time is 3,55
